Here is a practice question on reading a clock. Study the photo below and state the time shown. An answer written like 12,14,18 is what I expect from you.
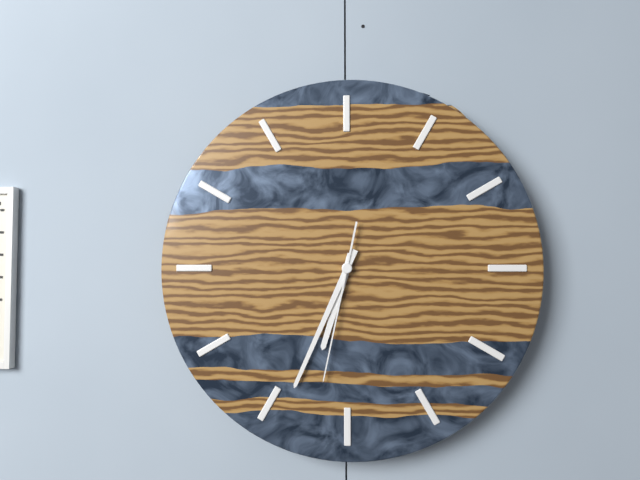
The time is 6,34,32
